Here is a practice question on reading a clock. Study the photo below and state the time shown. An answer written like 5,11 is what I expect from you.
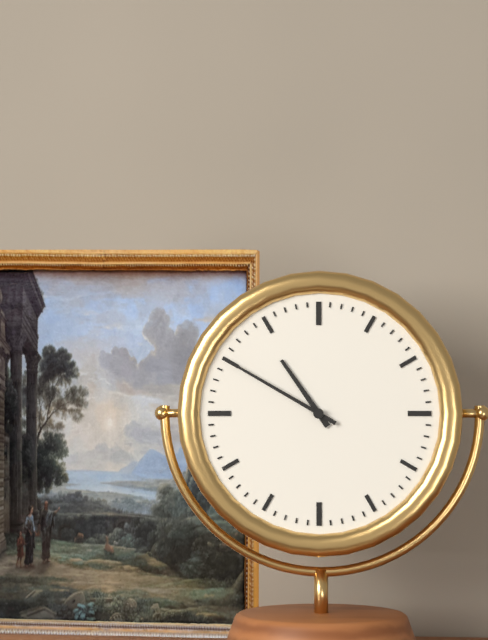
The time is 10,50
